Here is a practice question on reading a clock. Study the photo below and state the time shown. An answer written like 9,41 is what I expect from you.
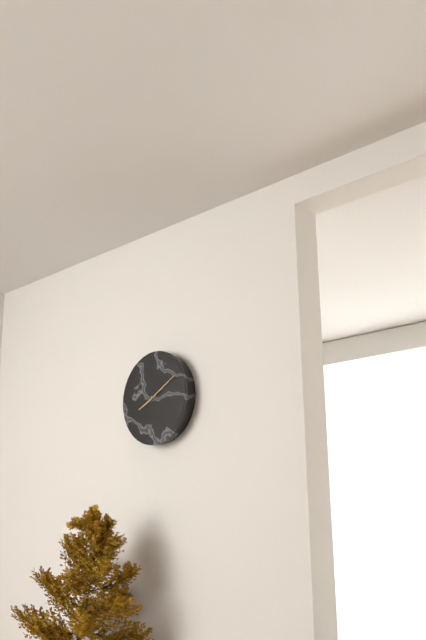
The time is 8,10
